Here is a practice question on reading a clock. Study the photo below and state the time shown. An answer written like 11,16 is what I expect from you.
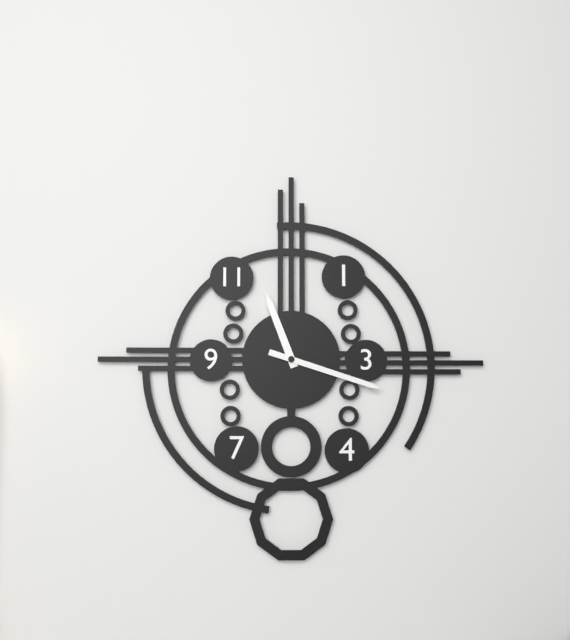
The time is 11,18
